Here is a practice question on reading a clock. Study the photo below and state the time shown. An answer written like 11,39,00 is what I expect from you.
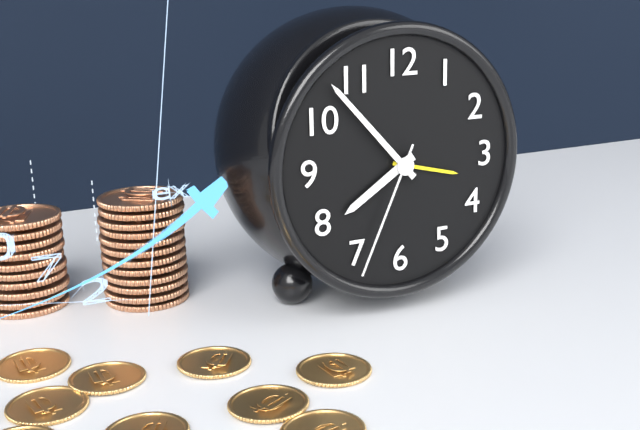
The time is 7,53,34
